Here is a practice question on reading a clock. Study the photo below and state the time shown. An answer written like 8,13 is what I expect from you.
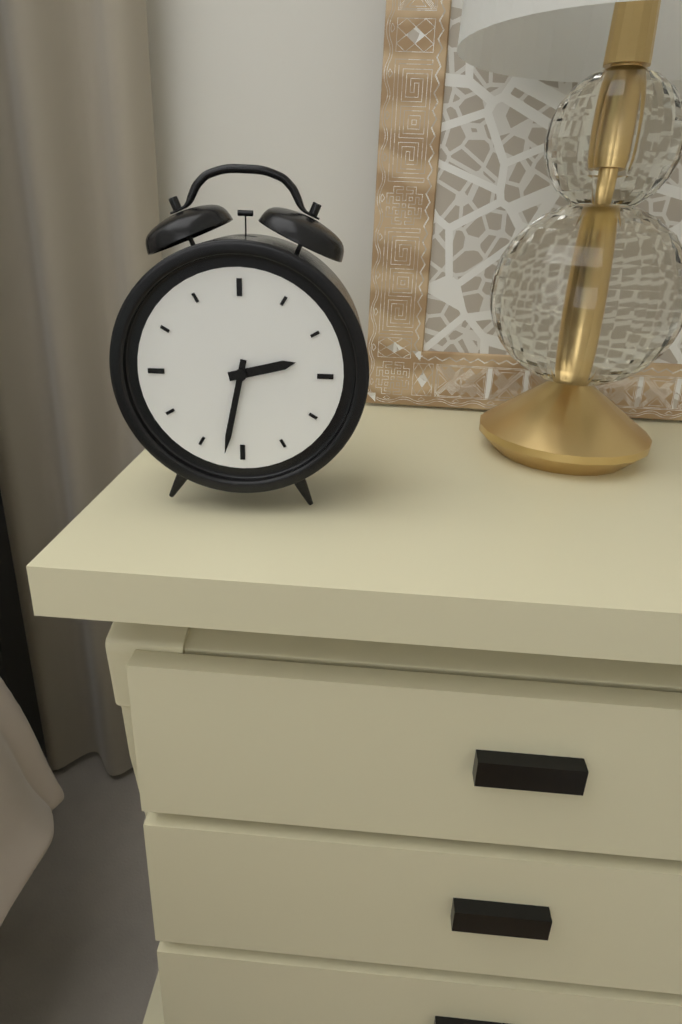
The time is 2,32
